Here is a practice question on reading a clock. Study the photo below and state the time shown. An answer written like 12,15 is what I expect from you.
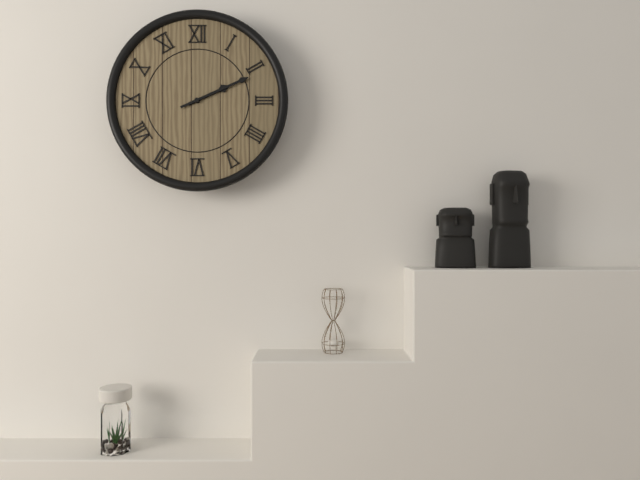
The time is 2,11
